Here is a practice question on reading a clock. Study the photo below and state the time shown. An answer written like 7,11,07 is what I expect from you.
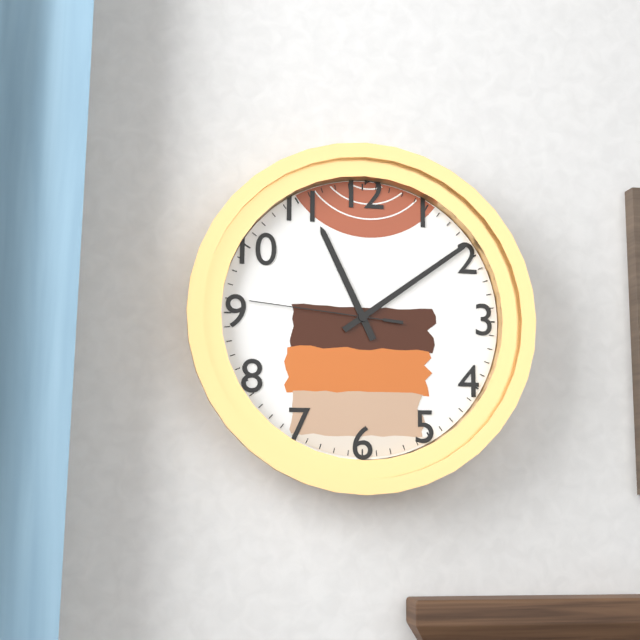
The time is 11,09,46
